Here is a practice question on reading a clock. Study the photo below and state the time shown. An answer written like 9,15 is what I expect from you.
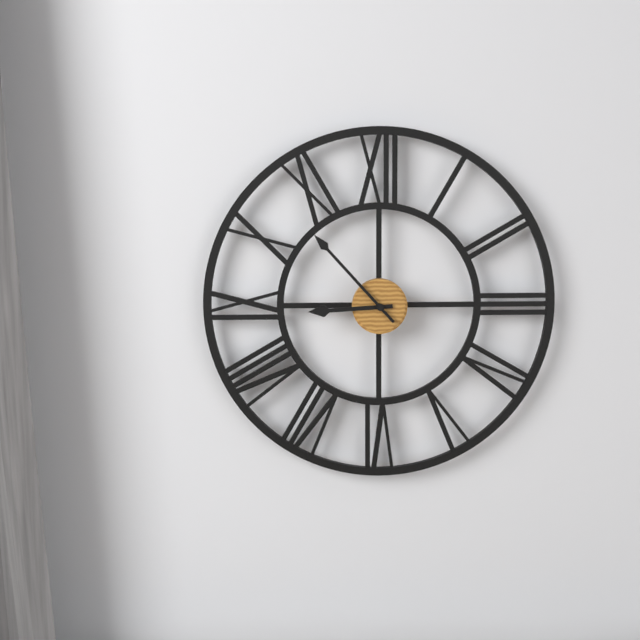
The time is 8,53
